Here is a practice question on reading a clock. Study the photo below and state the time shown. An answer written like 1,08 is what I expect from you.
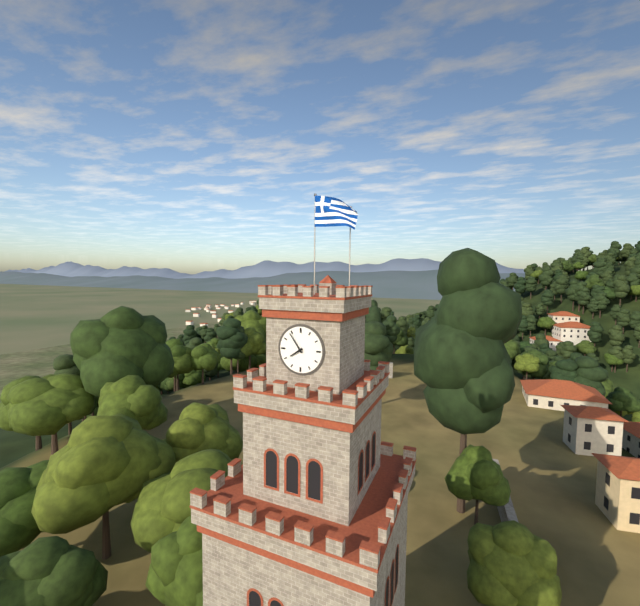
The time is 7,54
